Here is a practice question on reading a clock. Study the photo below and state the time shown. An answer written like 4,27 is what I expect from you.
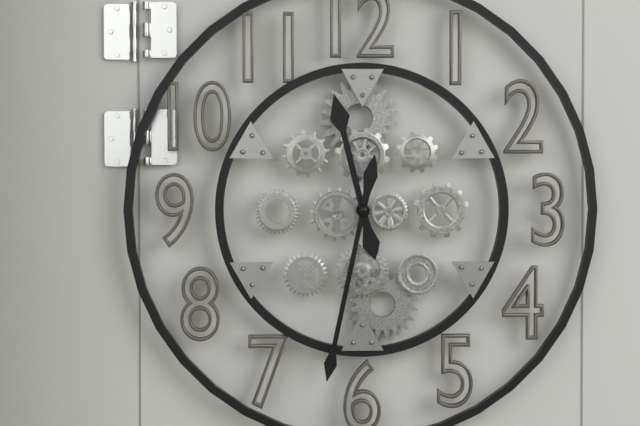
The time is 11,32
